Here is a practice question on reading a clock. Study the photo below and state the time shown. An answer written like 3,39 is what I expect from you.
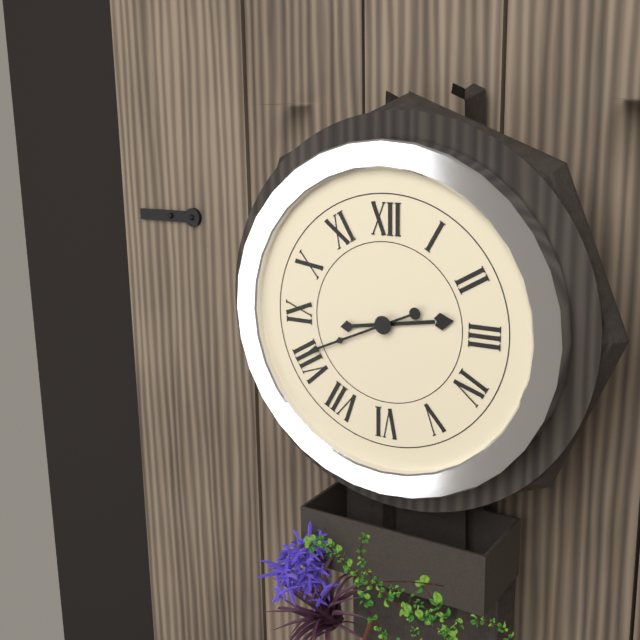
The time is 2,41
